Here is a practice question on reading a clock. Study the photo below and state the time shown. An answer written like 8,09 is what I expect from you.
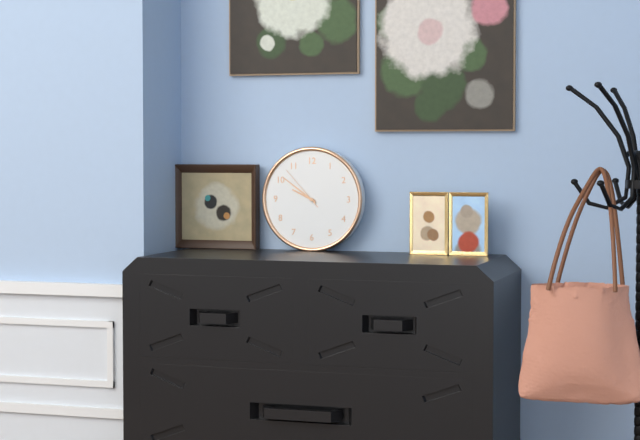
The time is 9,51
